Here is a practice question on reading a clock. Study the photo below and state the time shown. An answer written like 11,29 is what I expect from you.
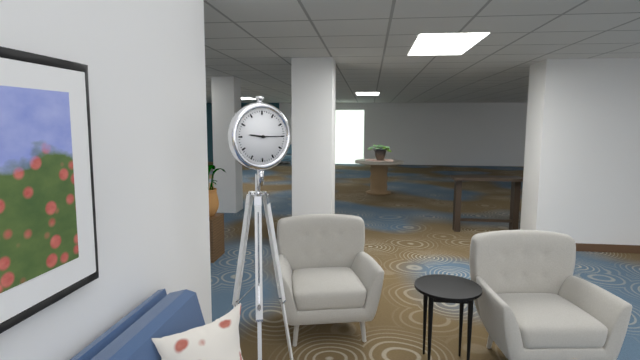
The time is 9,15
